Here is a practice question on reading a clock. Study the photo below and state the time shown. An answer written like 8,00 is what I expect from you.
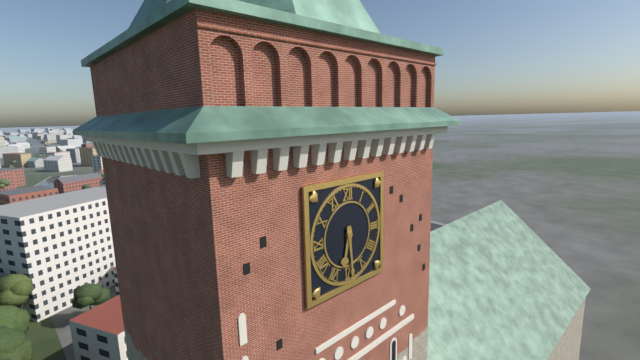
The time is 6,29
